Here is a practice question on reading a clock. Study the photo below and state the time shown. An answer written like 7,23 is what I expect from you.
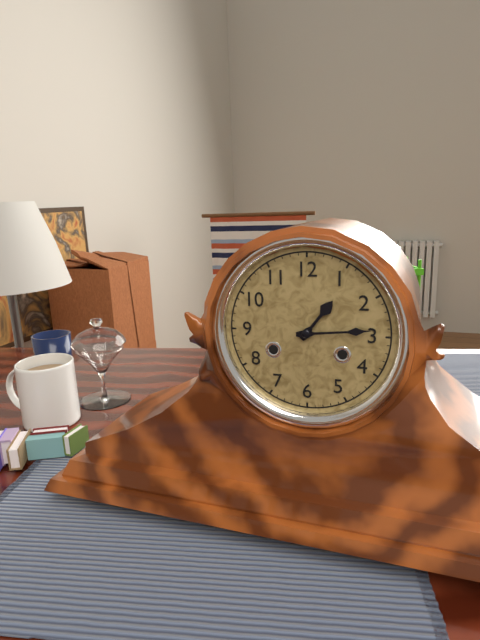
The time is 1,14
